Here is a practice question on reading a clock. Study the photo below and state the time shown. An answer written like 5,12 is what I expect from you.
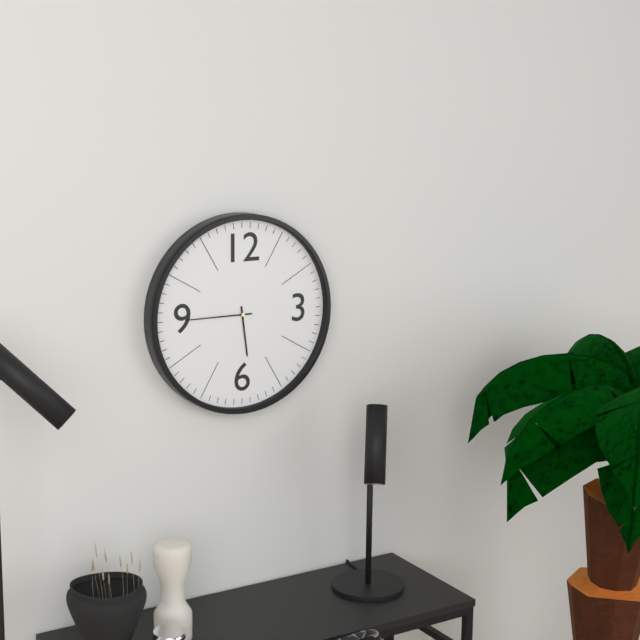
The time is 5,45
